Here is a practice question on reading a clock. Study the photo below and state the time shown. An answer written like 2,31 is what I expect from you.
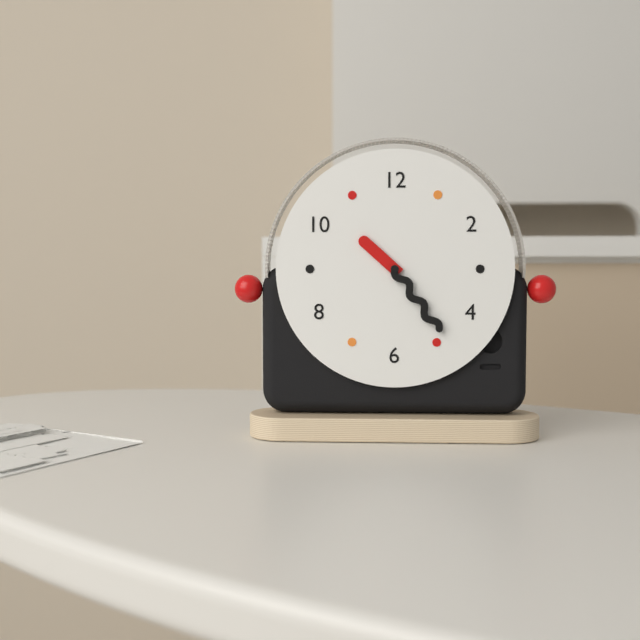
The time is 10,24
